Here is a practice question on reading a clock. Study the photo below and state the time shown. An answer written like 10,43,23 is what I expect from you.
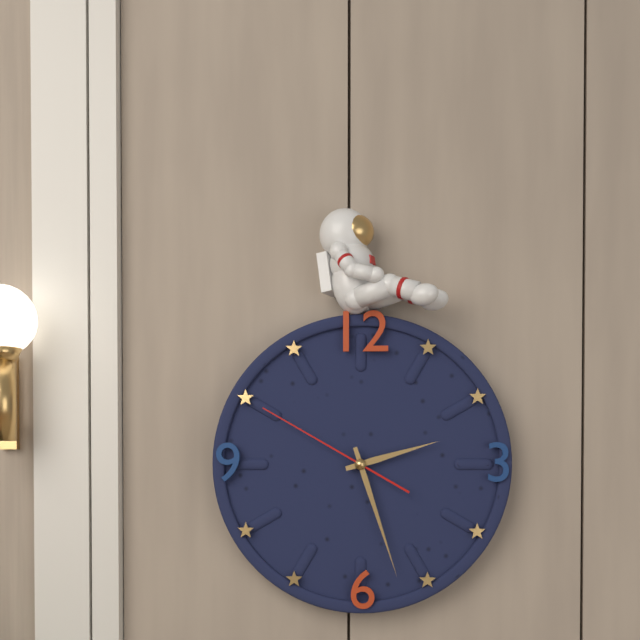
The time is 2,27,50
